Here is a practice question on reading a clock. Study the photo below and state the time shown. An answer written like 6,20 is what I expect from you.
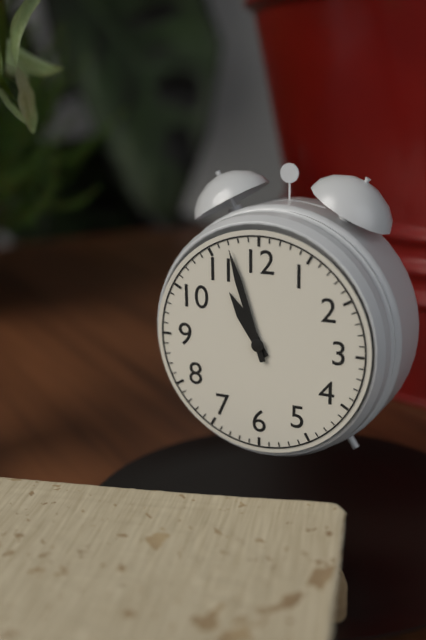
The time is 10,57
